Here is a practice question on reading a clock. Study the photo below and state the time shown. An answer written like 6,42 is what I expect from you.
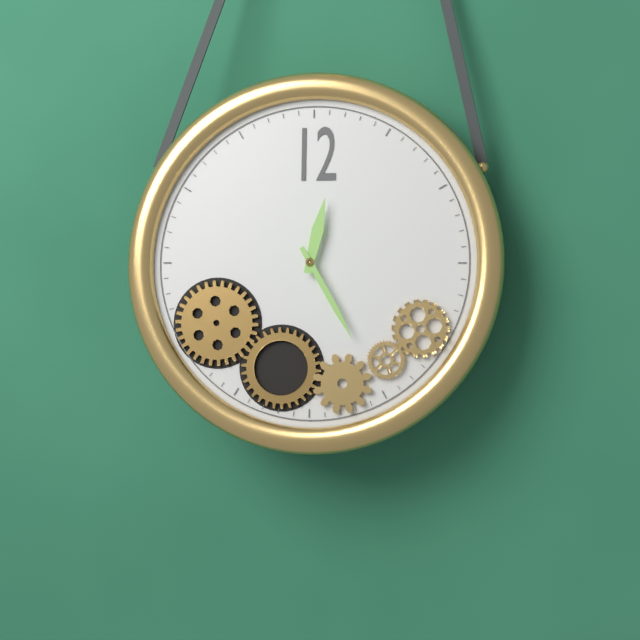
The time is 12,25
